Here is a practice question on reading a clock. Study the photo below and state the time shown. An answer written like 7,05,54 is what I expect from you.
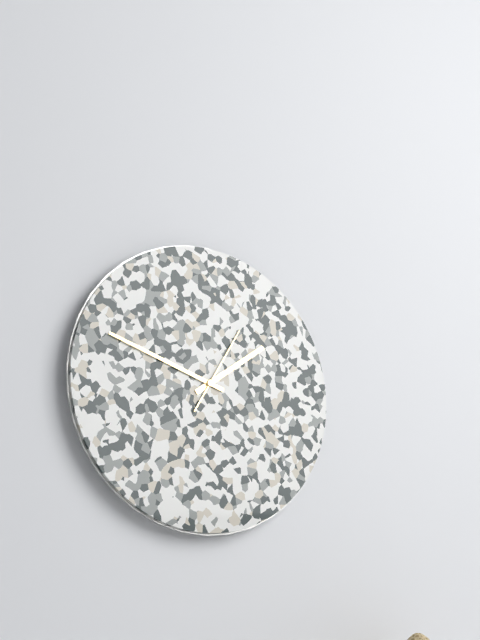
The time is 1,48,05
